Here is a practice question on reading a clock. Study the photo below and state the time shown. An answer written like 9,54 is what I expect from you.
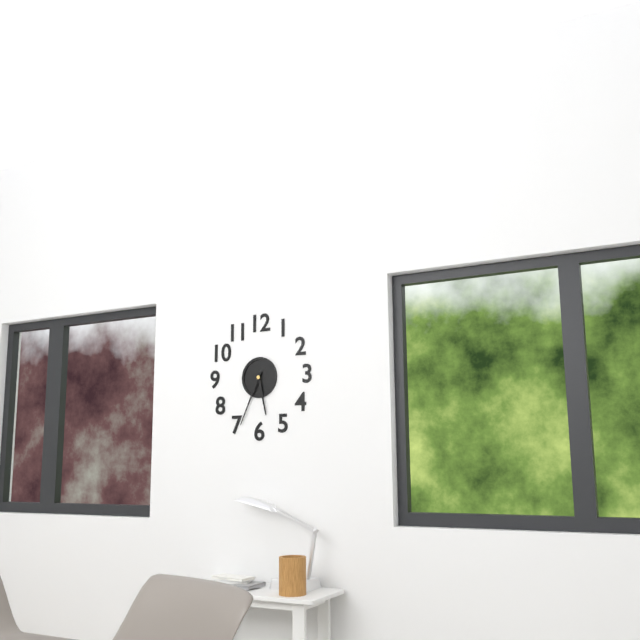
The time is 5,34
